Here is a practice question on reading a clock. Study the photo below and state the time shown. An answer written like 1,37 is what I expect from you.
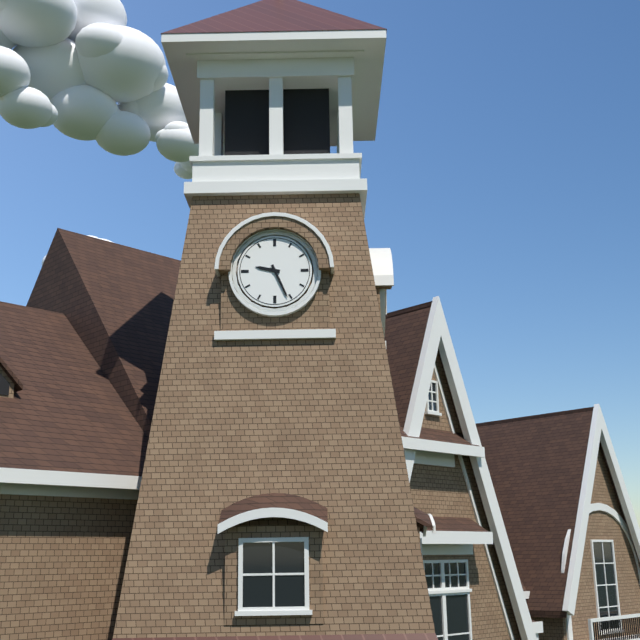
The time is 9,26
